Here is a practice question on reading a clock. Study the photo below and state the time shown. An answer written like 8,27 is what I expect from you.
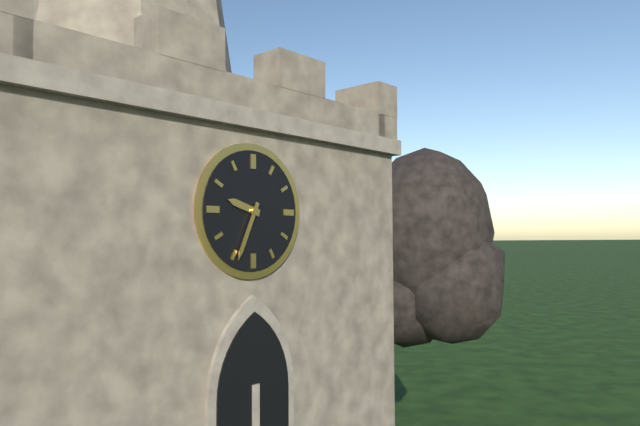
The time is 9,34
